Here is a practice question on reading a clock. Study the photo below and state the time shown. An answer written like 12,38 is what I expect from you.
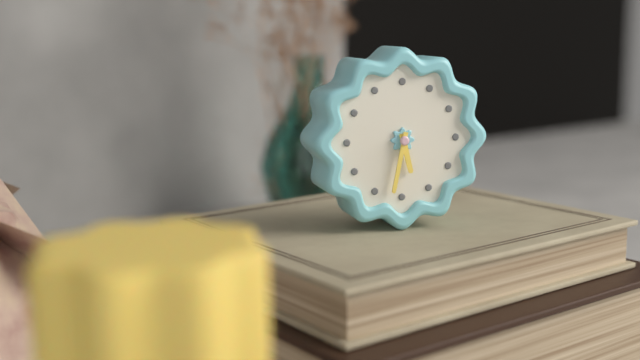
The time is 5,32
